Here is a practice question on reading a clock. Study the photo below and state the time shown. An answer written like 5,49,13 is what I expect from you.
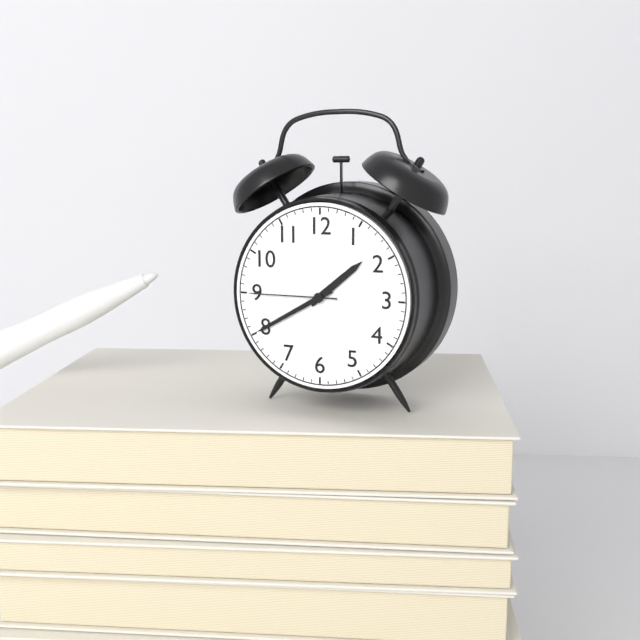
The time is 1,40,45
